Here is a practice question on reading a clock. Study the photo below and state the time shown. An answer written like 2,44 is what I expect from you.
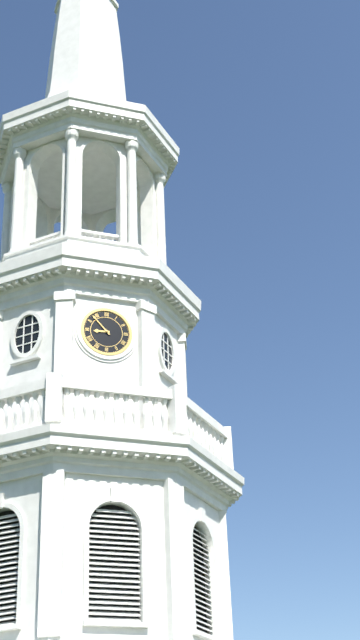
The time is 8,53
